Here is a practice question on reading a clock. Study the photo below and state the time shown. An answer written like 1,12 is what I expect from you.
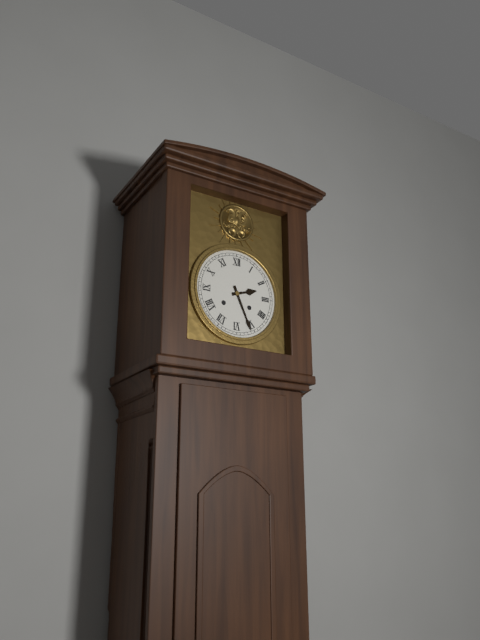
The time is 2,26
